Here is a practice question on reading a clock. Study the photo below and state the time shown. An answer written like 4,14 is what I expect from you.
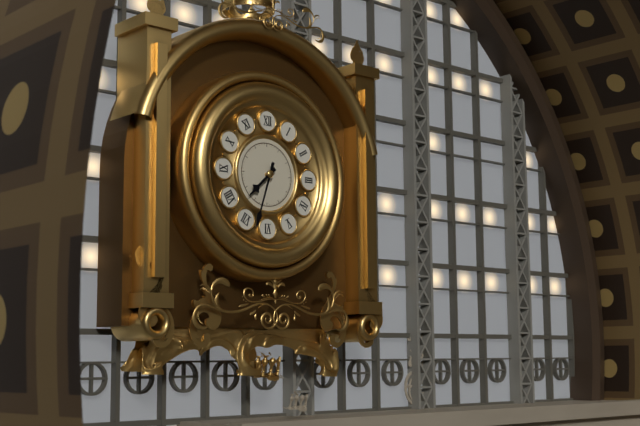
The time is 7,33
